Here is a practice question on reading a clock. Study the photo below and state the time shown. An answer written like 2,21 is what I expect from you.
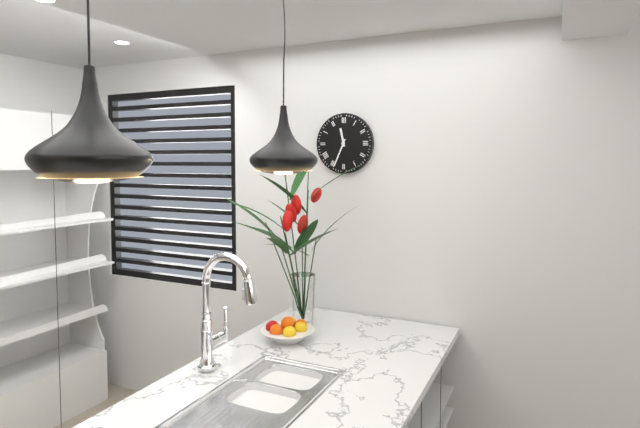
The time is 11,34
